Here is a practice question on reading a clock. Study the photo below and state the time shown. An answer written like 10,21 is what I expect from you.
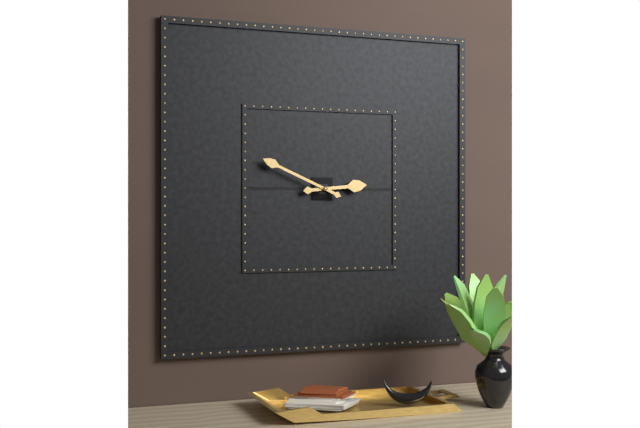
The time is 2,49
